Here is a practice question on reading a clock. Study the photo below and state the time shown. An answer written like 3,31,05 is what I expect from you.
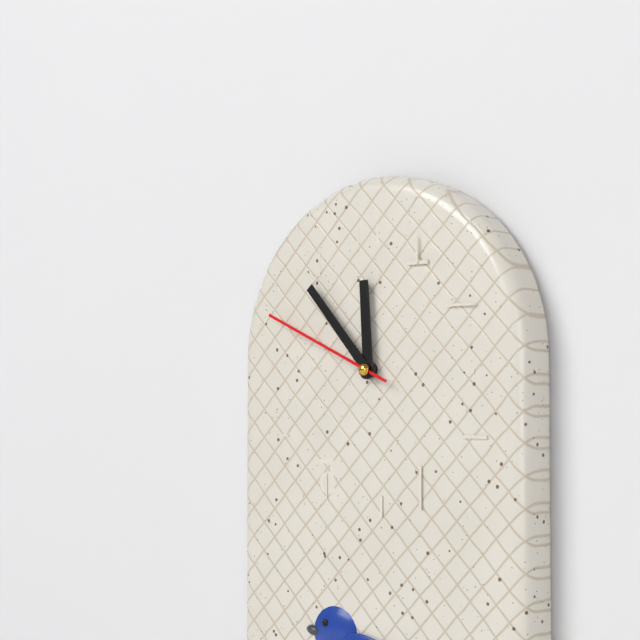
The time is 11,53,49
